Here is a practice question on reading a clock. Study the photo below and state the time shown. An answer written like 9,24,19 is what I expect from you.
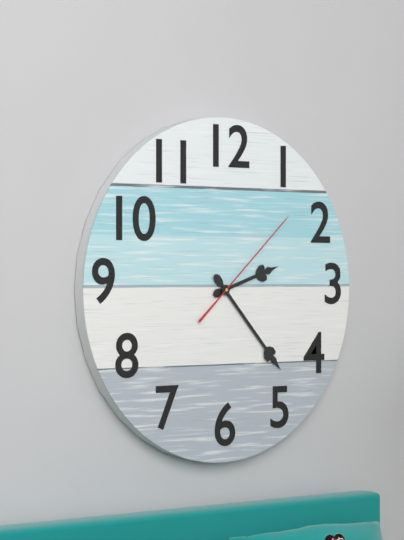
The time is 2,23,08
